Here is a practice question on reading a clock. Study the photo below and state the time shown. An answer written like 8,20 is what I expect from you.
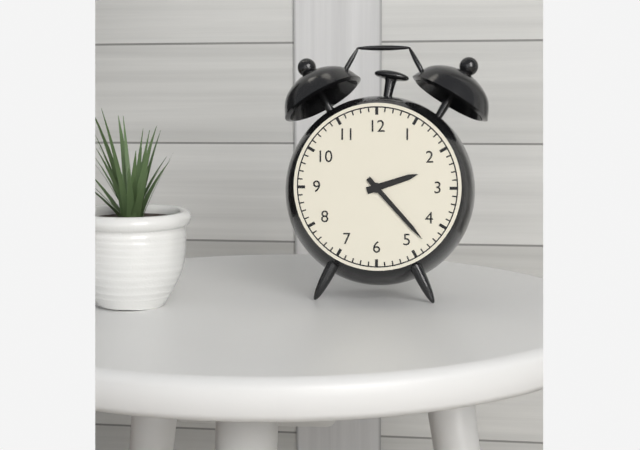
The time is 2,23
